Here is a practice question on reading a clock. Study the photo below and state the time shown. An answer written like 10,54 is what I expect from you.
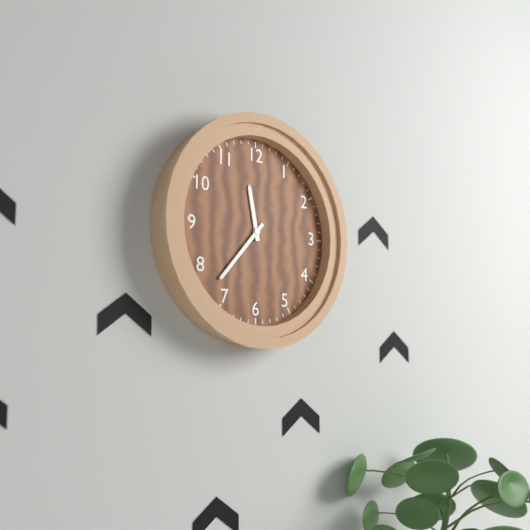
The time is 11,37
